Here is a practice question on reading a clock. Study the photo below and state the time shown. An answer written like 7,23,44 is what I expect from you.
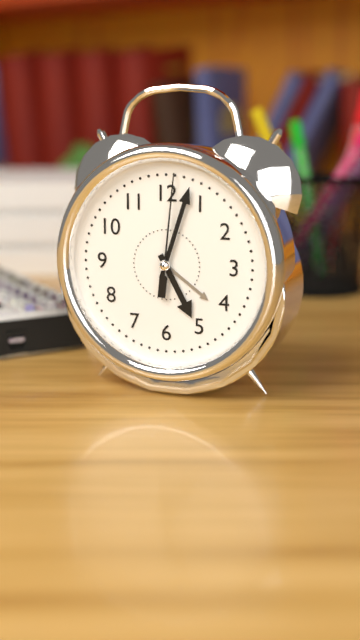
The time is 5,03,01
